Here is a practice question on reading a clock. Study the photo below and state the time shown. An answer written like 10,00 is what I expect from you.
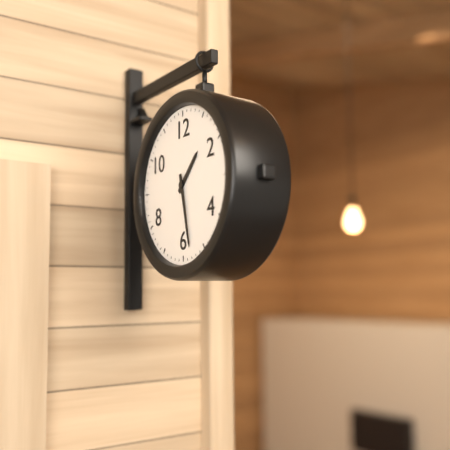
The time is 1,28
